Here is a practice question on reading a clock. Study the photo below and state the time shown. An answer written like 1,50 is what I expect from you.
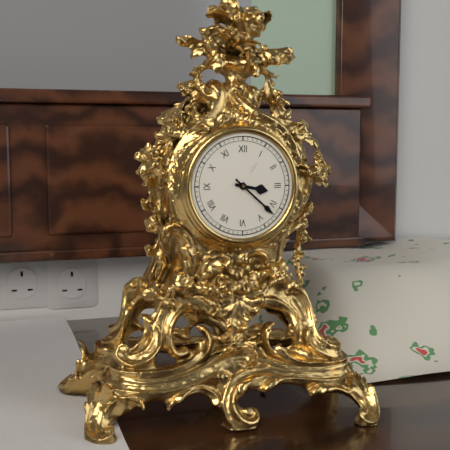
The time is 3,22
